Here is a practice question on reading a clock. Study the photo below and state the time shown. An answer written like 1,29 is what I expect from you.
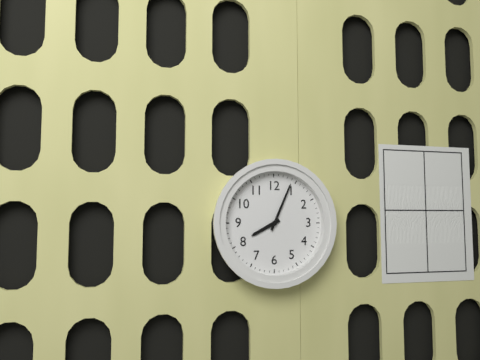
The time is 8,04
